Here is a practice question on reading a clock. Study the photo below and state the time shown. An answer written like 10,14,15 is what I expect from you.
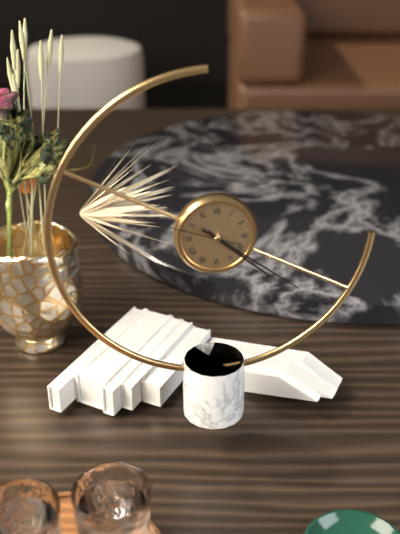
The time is 4,21,48
